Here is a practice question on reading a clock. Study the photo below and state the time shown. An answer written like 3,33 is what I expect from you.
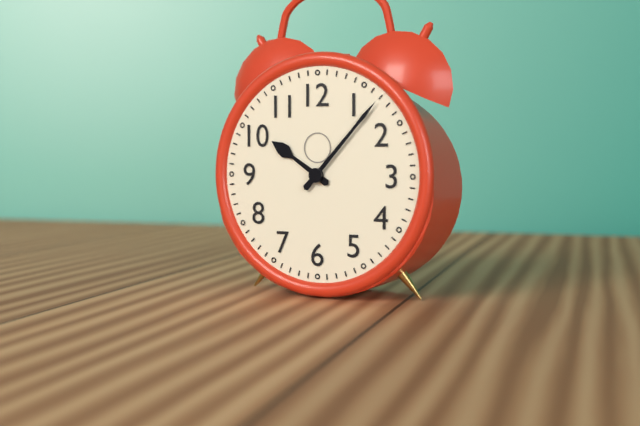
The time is 10,07
